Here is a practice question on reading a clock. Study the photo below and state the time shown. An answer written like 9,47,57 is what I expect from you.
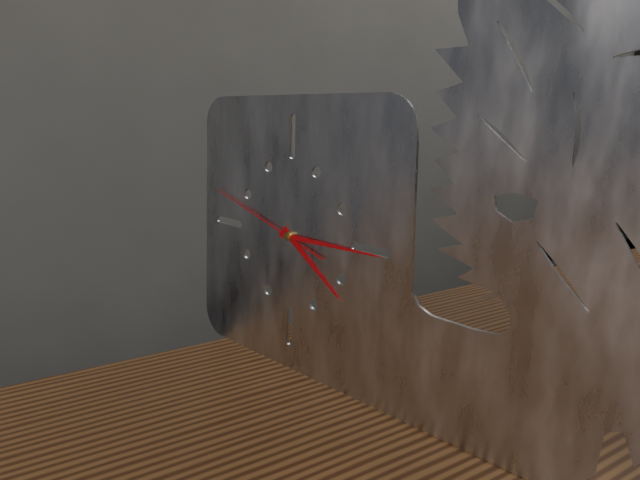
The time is 4,15,48
